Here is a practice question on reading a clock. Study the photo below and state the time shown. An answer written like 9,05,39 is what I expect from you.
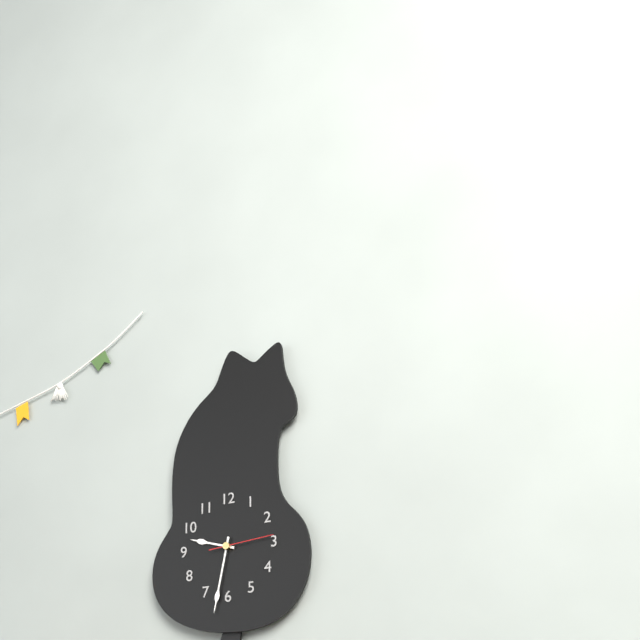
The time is 9,32,14
